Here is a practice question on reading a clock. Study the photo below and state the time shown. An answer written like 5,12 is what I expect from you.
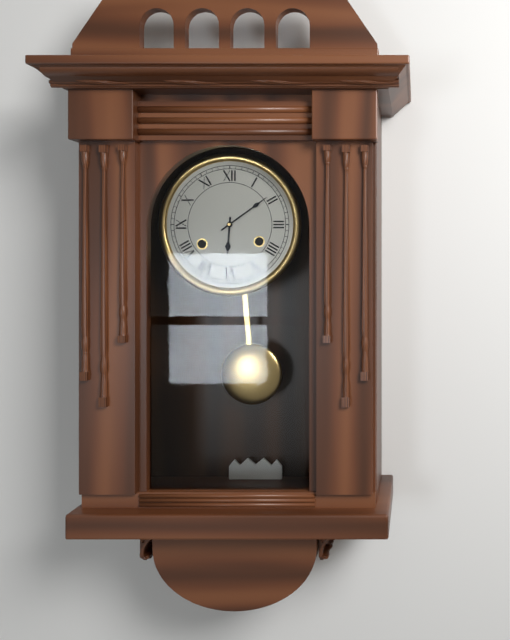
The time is 6,09
